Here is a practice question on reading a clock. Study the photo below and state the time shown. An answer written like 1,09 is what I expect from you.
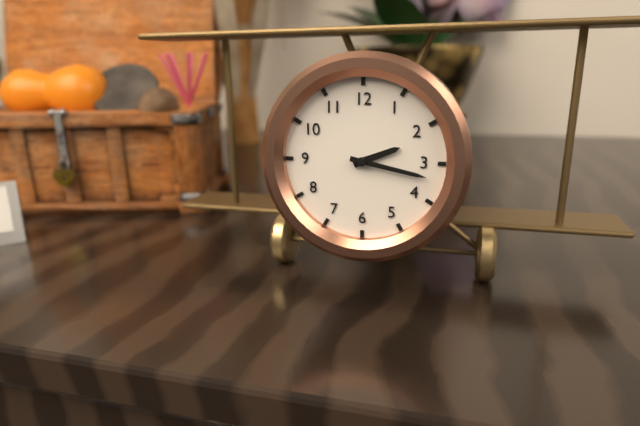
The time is 2,17
